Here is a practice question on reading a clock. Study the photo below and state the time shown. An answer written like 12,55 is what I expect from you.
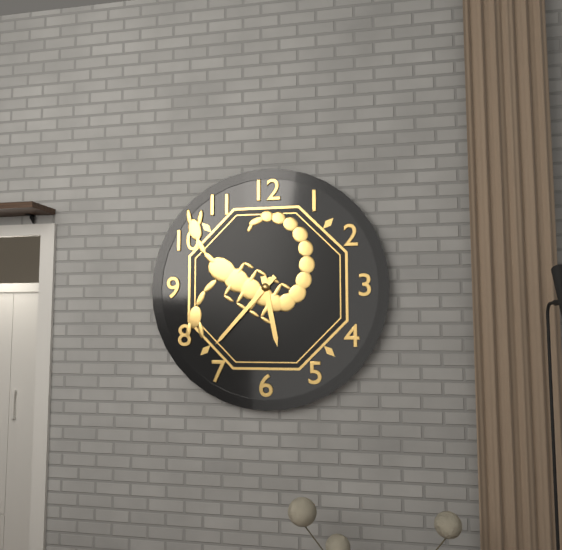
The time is 5,37
